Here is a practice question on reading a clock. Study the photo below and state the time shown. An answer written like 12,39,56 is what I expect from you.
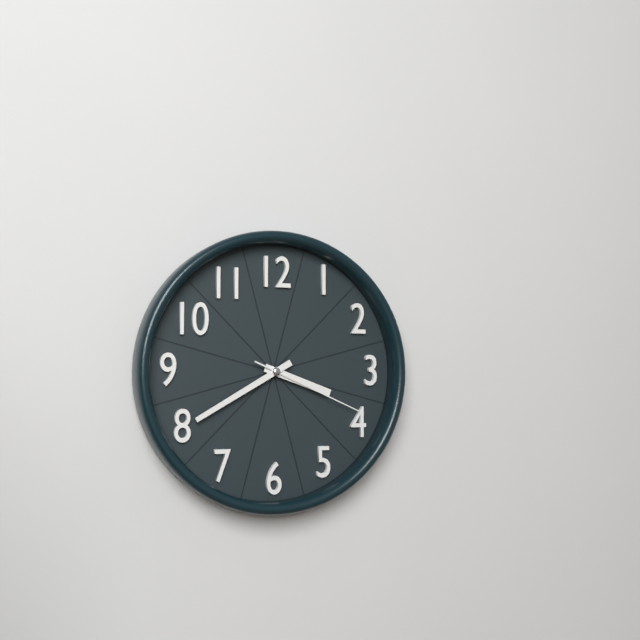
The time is 3,40,19
